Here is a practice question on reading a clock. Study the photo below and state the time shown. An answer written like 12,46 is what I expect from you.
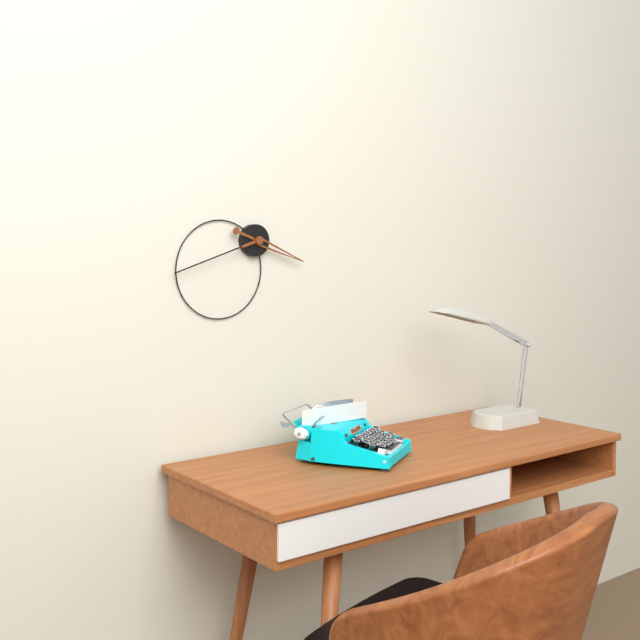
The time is 3,42
